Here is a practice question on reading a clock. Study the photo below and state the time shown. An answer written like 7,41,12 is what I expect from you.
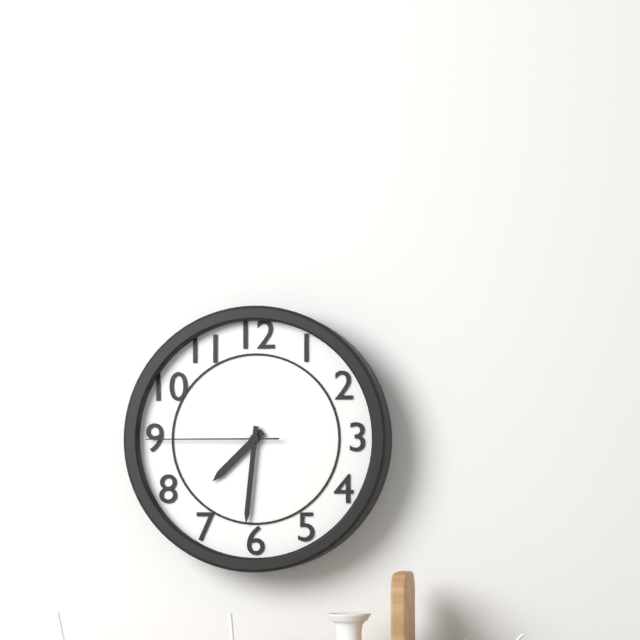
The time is 7,31,45
